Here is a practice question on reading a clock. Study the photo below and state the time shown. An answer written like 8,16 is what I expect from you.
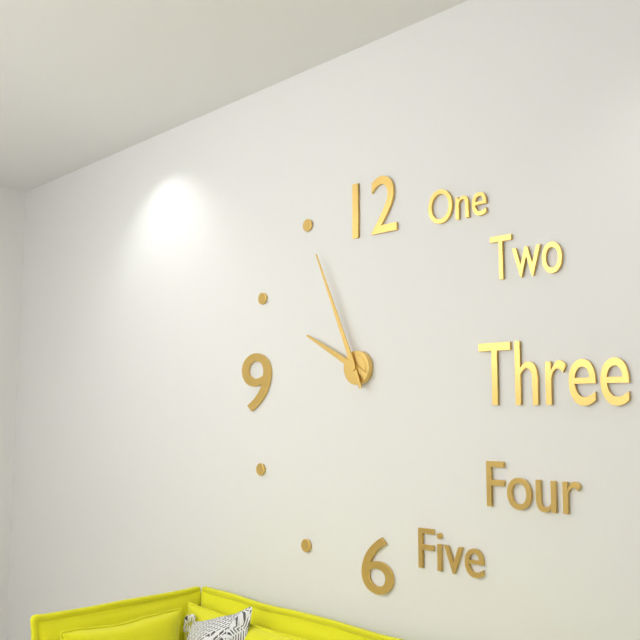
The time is 9,56
